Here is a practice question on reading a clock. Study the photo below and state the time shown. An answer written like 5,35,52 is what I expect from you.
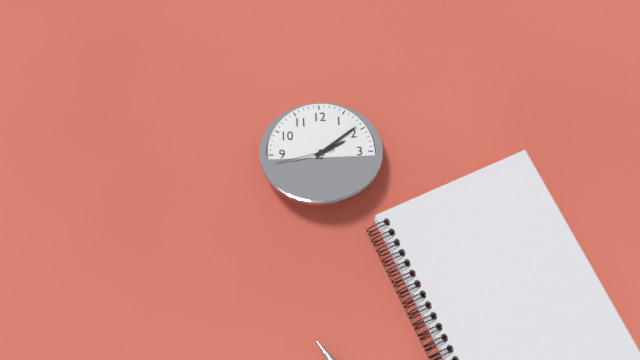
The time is 2,09,43
